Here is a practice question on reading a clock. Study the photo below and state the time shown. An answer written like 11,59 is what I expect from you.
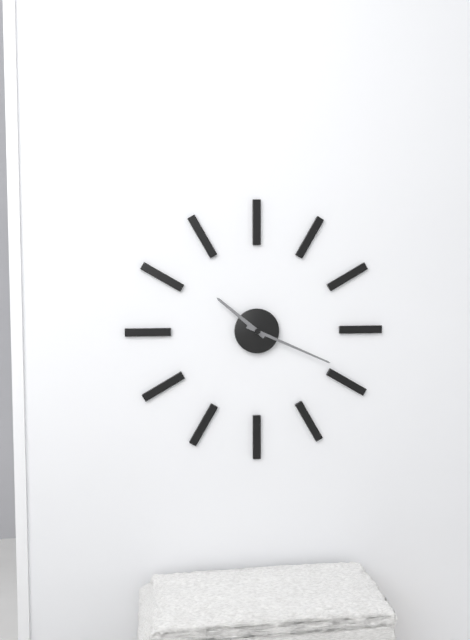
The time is 10,19
